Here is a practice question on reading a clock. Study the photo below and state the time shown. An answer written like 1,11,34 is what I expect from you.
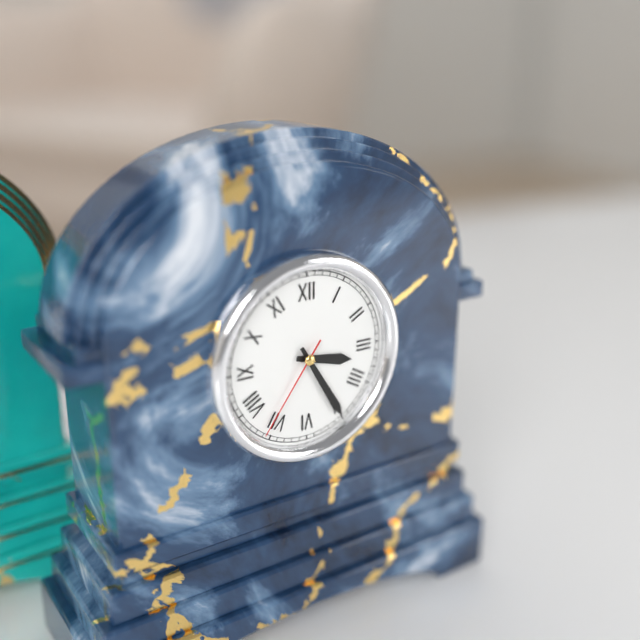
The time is 3,25,36
